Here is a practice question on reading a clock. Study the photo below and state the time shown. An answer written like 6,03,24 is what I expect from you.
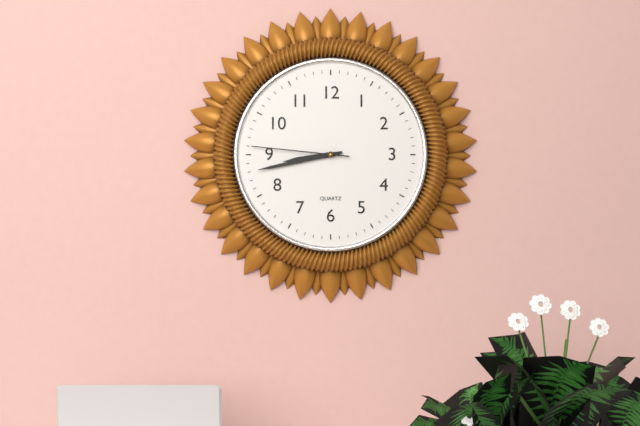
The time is 8,43,46
